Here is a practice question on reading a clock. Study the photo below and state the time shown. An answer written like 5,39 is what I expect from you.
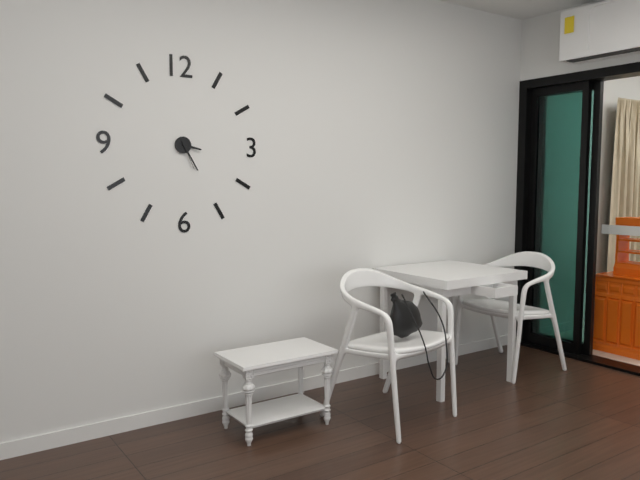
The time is 3,25
